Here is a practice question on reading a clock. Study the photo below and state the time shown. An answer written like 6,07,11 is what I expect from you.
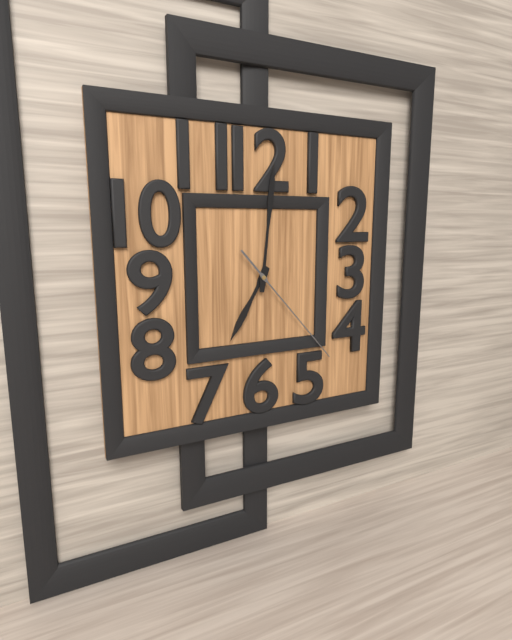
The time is 7,01,23
